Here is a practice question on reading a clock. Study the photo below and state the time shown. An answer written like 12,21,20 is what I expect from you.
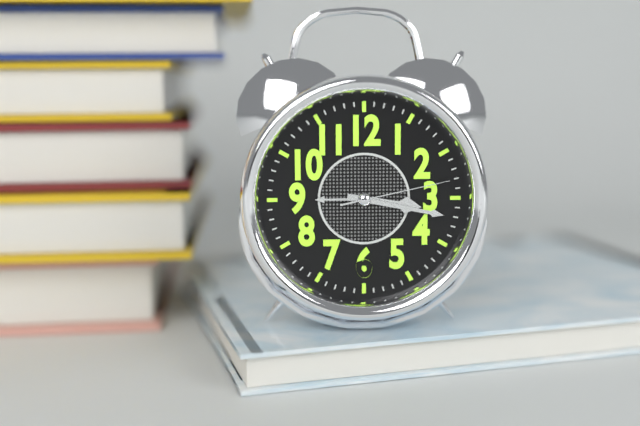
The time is 3,17,13
